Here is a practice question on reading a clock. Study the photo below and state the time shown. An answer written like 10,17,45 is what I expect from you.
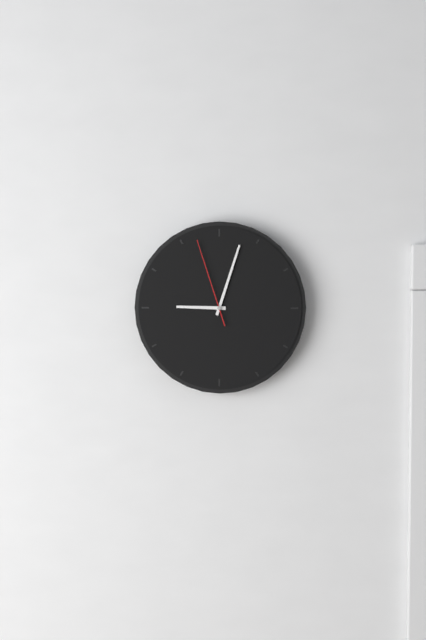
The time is 9,03,57
